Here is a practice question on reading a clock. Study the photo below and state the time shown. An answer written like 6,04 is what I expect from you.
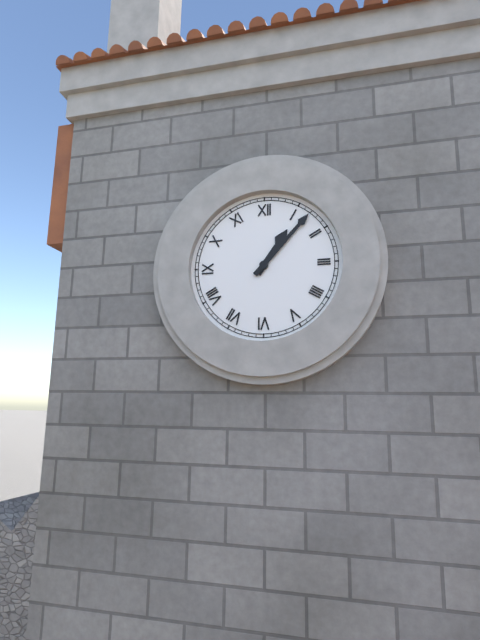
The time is 1,07
